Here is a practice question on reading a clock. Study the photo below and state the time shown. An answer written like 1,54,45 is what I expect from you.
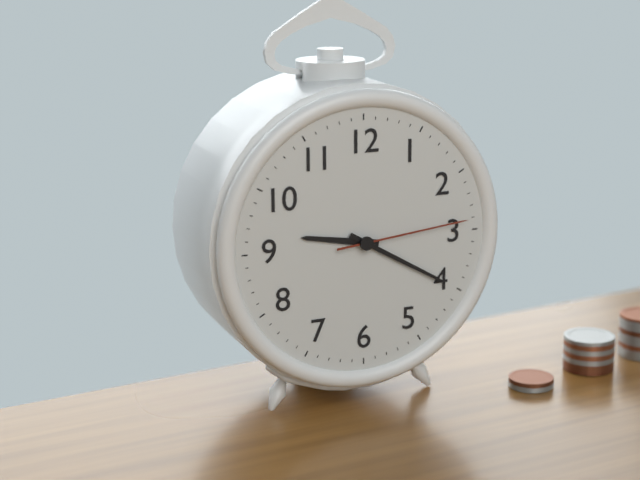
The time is 9,20,14
